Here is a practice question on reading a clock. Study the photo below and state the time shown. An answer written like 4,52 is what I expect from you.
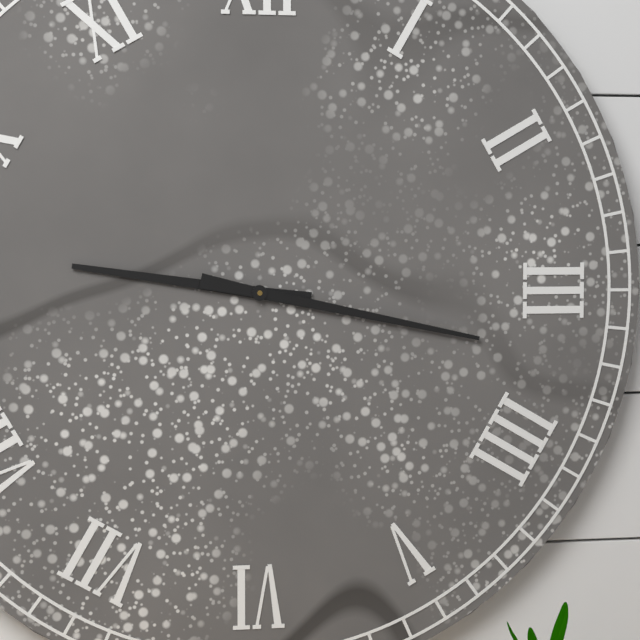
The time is 9,17
